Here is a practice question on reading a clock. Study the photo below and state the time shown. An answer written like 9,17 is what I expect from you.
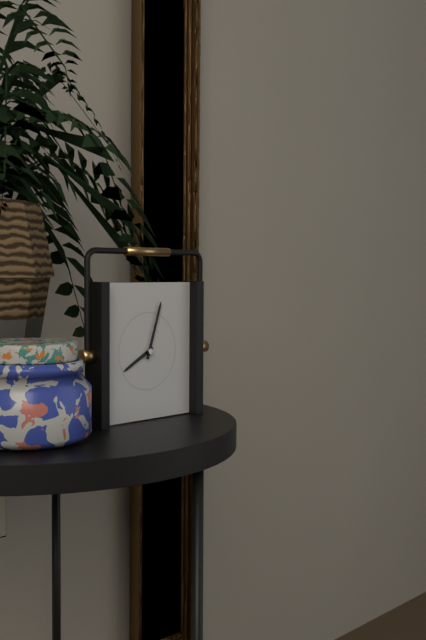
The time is 8,03
